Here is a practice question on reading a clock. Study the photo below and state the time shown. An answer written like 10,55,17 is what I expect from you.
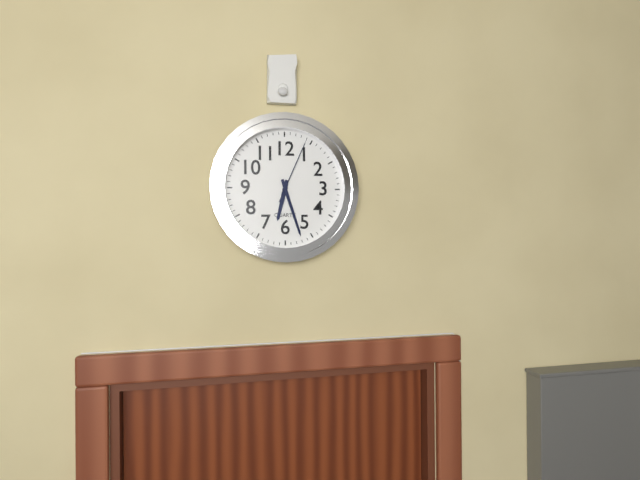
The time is 6,27,04
